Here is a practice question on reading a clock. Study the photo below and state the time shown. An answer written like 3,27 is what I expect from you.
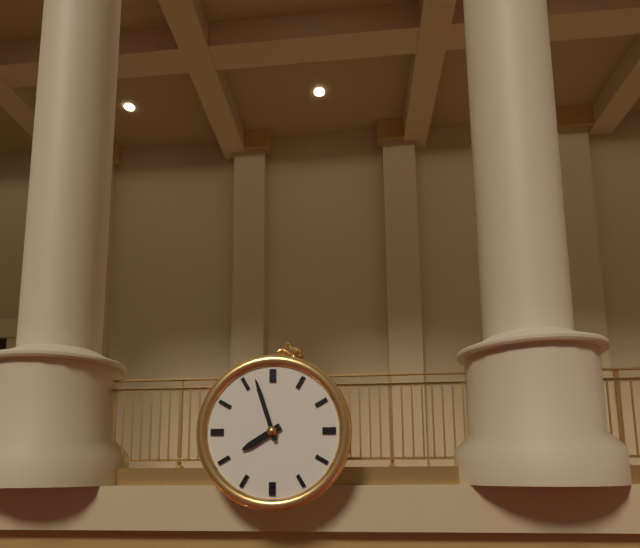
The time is 7,57
